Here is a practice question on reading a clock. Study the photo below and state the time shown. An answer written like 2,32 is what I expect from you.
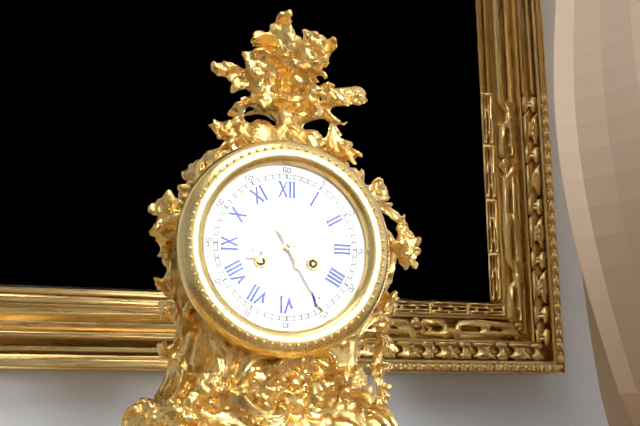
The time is 8,25
